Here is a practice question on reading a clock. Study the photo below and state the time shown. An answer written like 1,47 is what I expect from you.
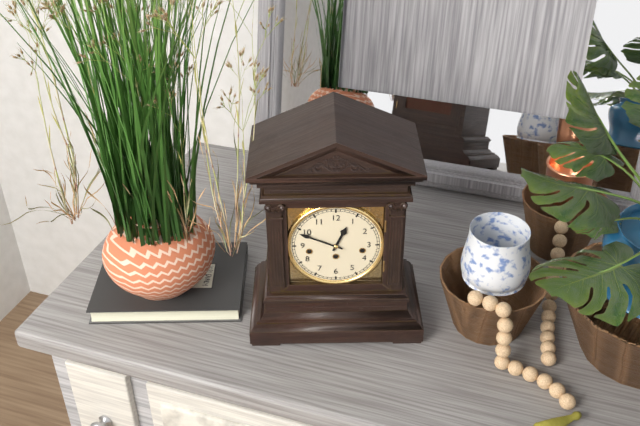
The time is 12,49
